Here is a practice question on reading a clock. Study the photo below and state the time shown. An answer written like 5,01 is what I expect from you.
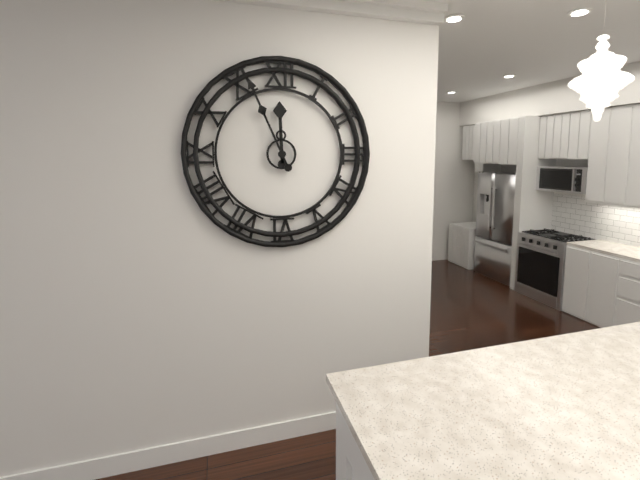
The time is 11,56
